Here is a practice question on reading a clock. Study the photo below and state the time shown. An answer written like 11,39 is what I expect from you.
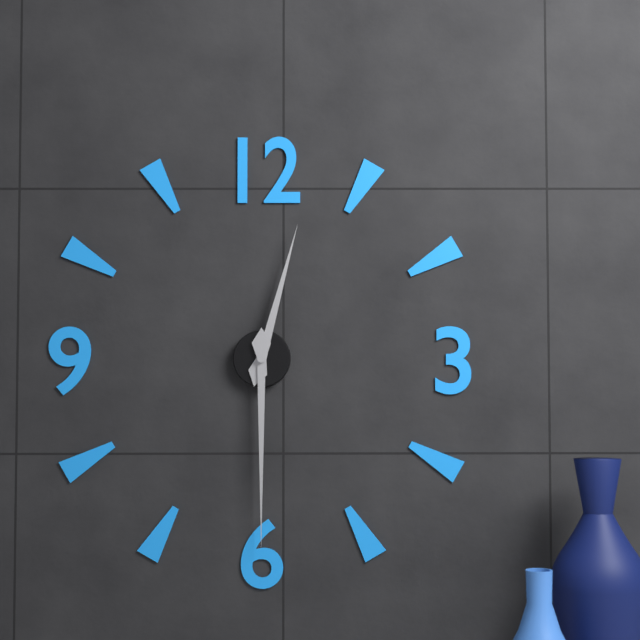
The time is 12,30
